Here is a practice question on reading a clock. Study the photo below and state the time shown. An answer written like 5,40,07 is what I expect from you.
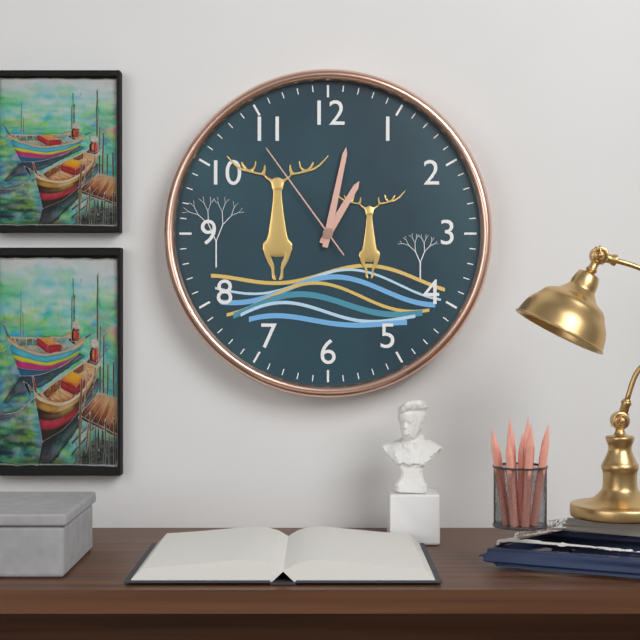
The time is 1,02,54
